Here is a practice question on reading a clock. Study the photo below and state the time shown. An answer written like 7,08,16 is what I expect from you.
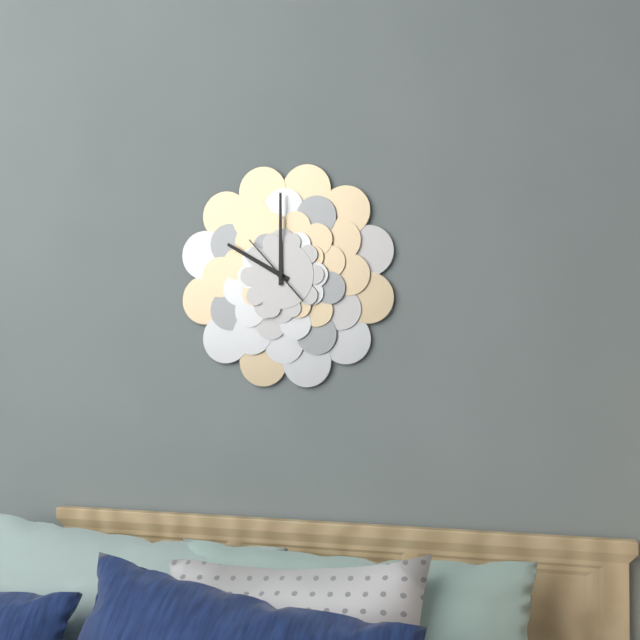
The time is 10,00,53
